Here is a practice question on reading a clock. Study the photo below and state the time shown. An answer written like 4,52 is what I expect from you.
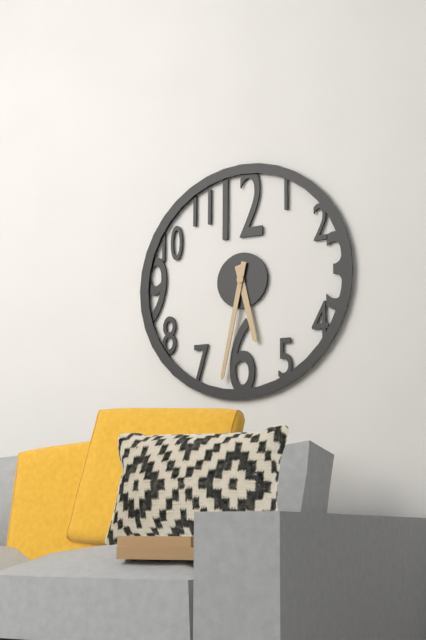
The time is 5,32
